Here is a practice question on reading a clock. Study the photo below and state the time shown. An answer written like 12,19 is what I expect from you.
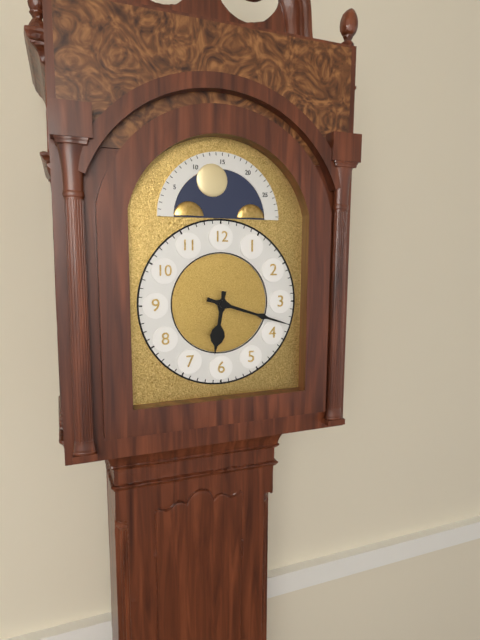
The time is 6,18
